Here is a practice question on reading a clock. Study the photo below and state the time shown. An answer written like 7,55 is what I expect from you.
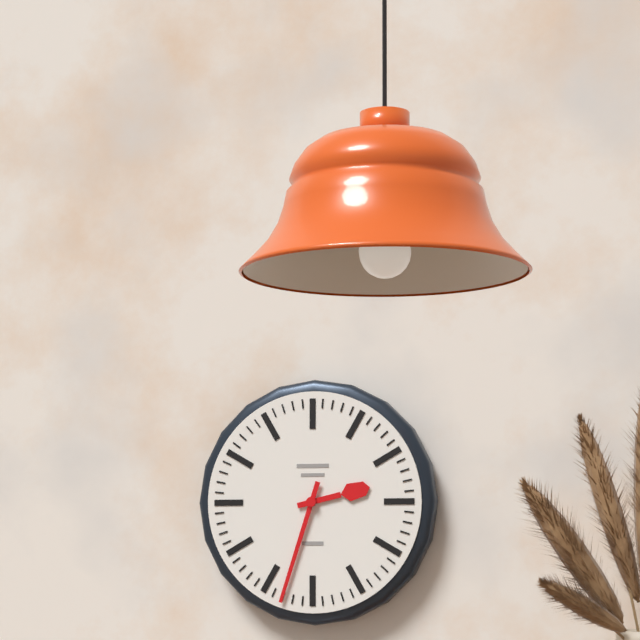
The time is 2,33
